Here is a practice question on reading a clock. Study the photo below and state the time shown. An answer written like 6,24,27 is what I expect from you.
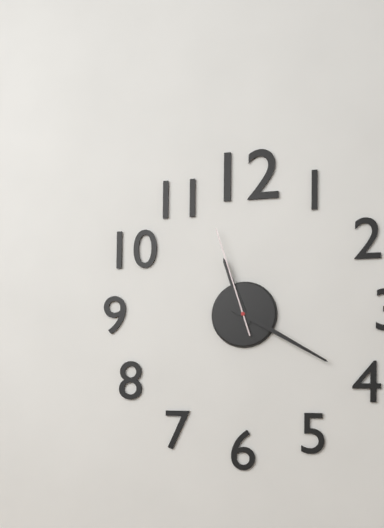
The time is 11,20,57
